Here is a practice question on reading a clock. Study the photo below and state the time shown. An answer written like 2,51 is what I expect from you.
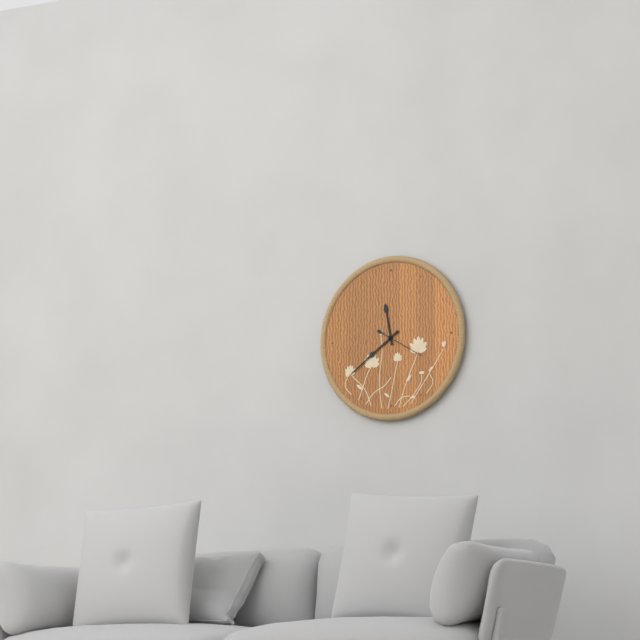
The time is 11,39
